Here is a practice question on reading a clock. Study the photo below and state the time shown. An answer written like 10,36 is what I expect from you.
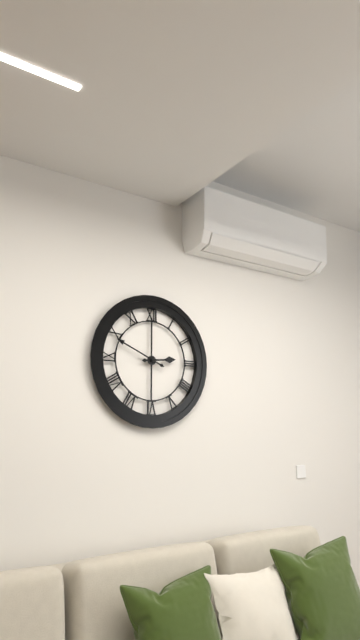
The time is 2,49
